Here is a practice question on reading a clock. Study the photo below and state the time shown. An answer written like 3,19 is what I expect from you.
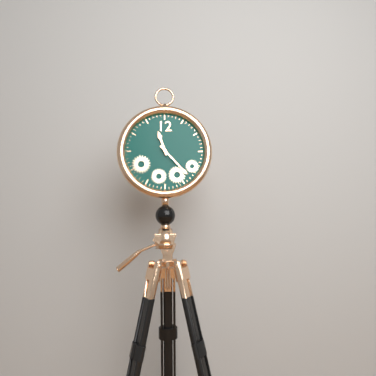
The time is 11,23
